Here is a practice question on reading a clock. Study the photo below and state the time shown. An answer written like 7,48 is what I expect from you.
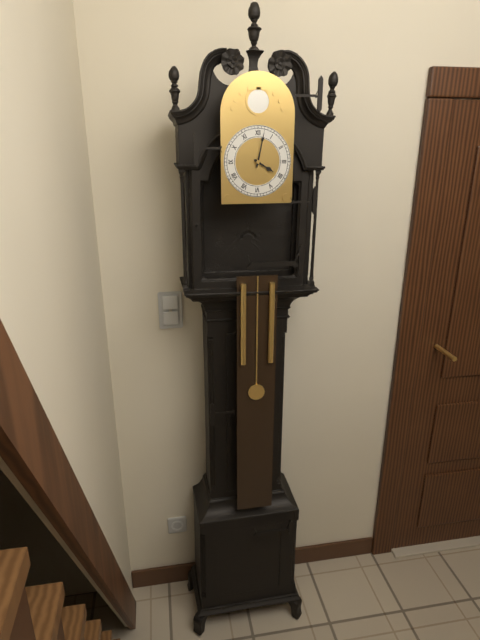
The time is 4,02
